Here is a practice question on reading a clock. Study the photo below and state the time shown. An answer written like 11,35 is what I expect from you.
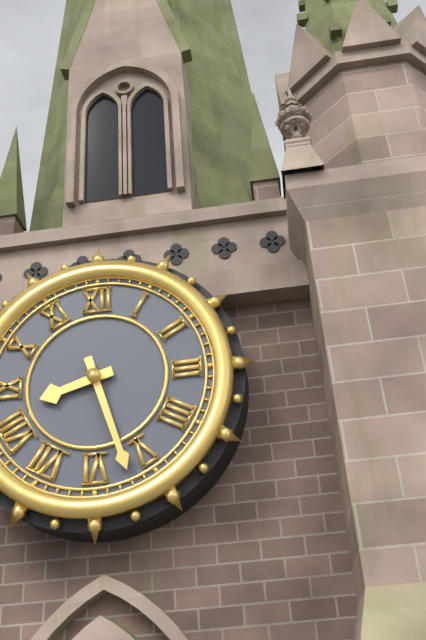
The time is 8,27
